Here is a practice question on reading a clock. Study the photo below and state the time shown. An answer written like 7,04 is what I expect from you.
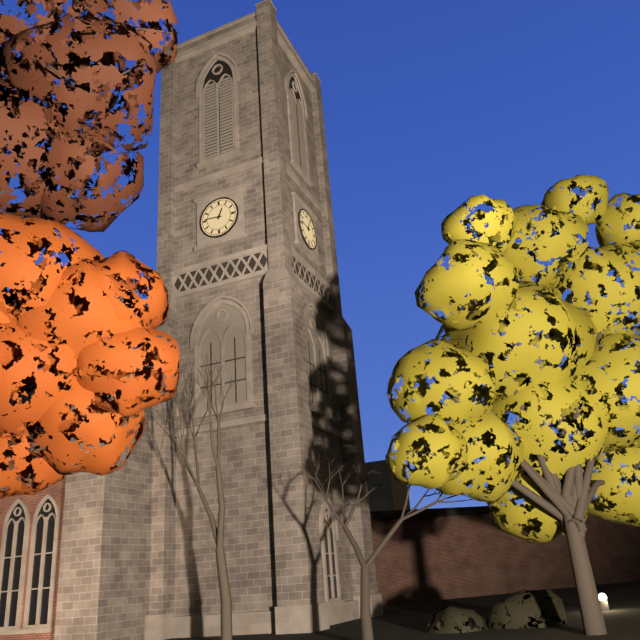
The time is 12,46
